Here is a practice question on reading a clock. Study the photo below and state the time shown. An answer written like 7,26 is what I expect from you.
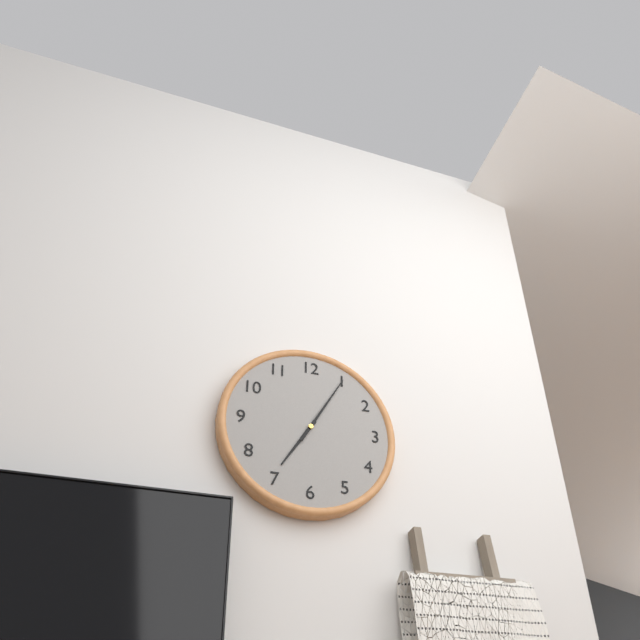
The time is 7,05
